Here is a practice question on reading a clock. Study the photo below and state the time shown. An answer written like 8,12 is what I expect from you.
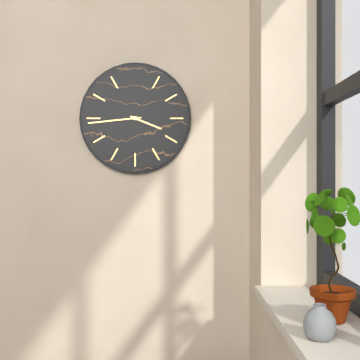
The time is 3,44
